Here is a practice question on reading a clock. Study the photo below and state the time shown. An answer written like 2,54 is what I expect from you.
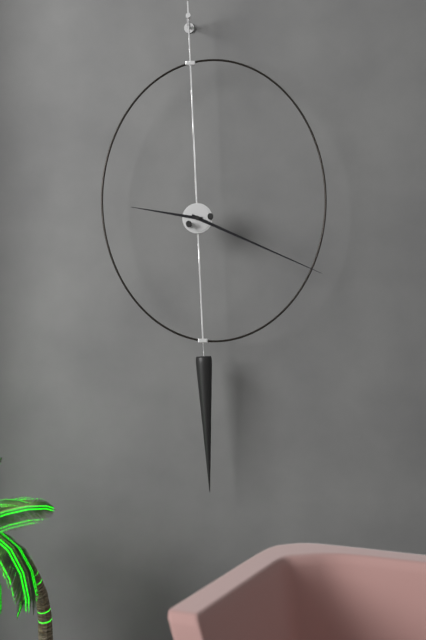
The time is 9,19
